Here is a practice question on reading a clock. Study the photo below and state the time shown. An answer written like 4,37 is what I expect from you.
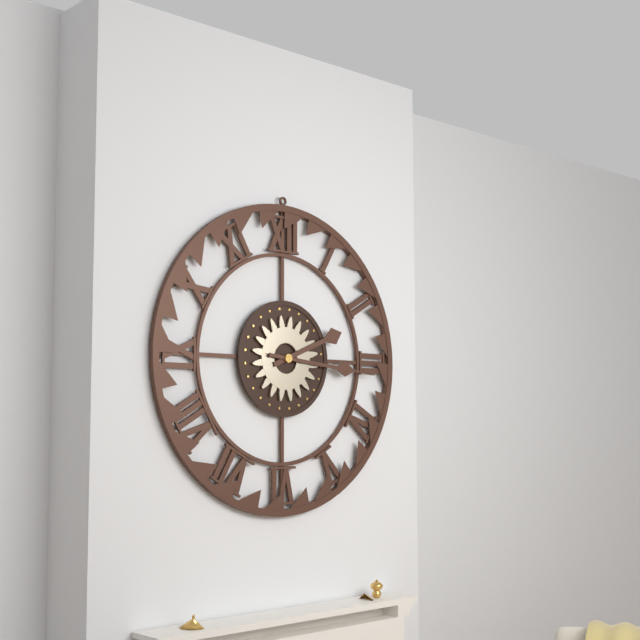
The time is 2,16
